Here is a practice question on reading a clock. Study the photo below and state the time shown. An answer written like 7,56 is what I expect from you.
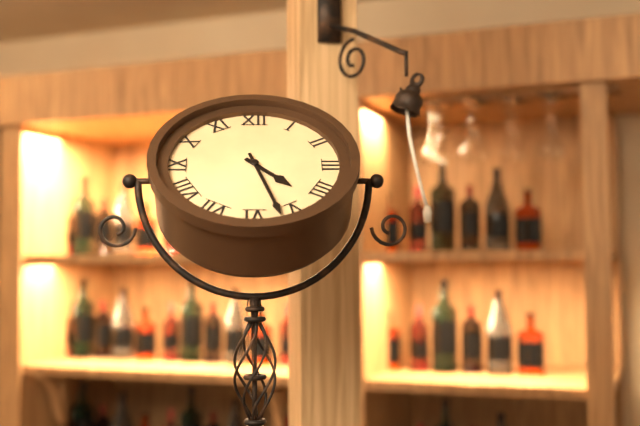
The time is 4,27
